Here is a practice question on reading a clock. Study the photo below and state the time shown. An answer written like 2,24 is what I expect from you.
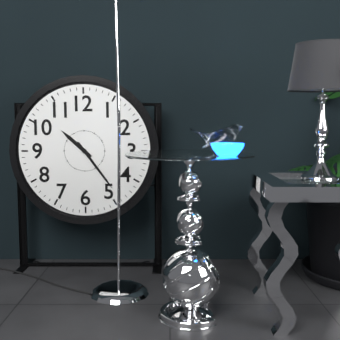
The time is 10,24
